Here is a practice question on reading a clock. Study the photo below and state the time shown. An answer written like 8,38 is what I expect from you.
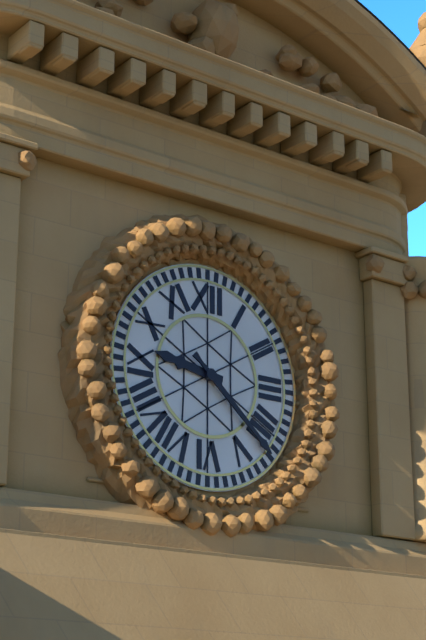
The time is 9,22
